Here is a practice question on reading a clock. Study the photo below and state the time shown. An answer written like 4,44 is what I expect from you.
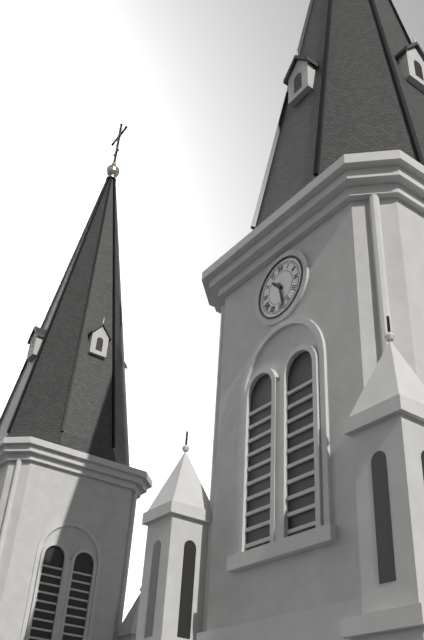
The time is 10,28
